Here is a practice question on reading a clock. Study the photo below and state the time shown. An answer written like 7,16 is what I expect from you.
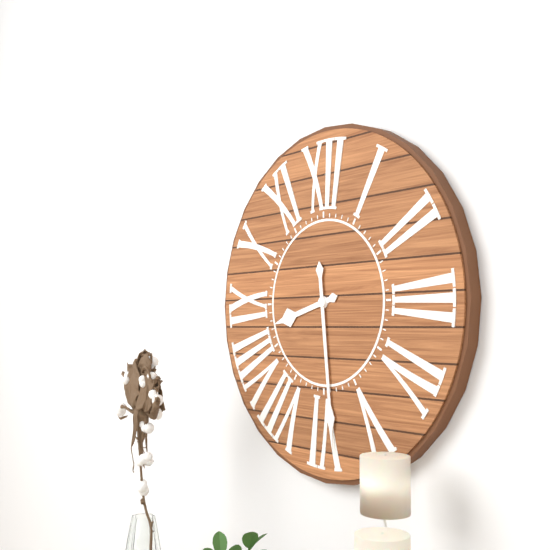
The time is 8,29
